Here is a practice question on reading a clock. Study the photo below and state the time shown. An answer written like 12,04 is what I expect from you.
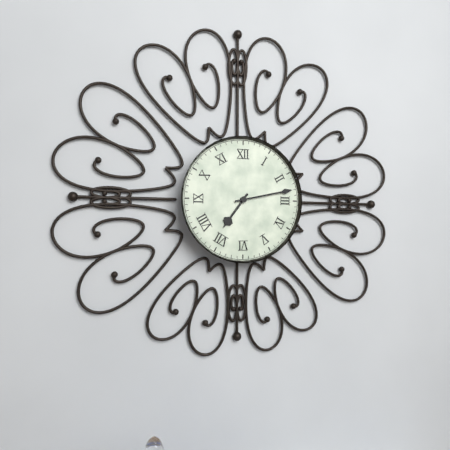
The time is 7,13
